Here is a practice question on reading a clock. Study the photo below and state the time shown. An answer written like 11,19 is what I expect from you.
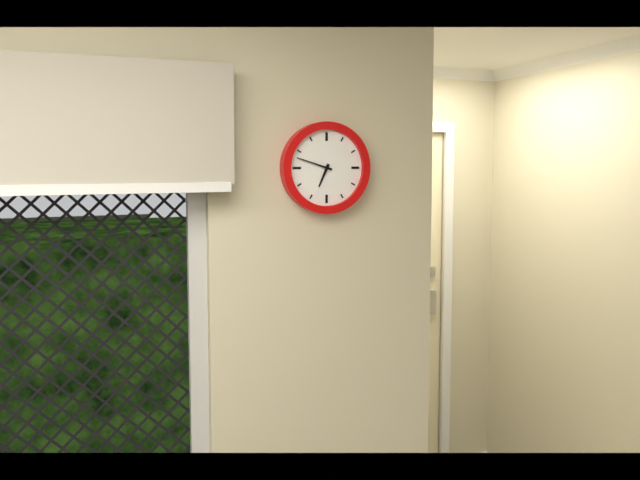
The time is 6,48
